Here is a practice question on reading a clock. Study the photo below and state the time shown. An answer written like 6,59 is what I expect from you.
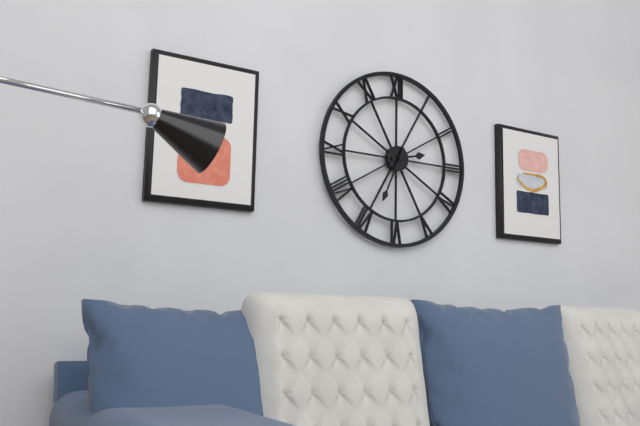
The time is 2,34
